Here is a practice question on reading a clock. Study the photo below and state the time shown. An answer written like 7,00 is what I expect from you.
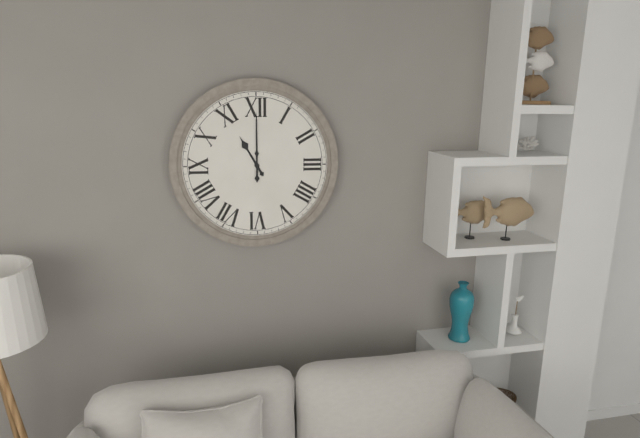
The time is 11,00
